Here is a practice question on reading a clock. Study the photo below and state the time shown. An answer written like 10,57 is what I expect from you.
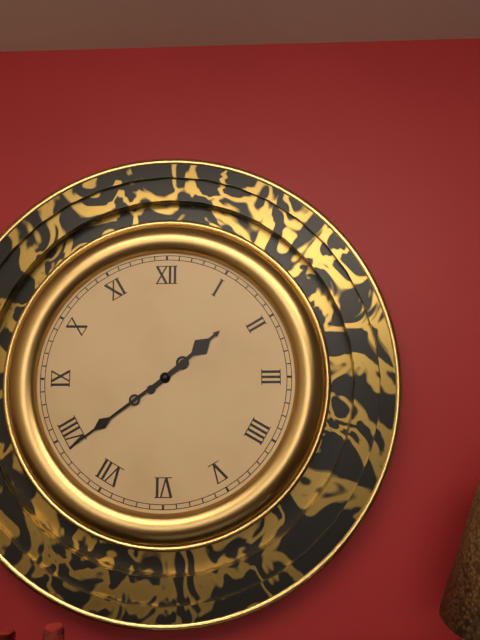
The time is 1,39
